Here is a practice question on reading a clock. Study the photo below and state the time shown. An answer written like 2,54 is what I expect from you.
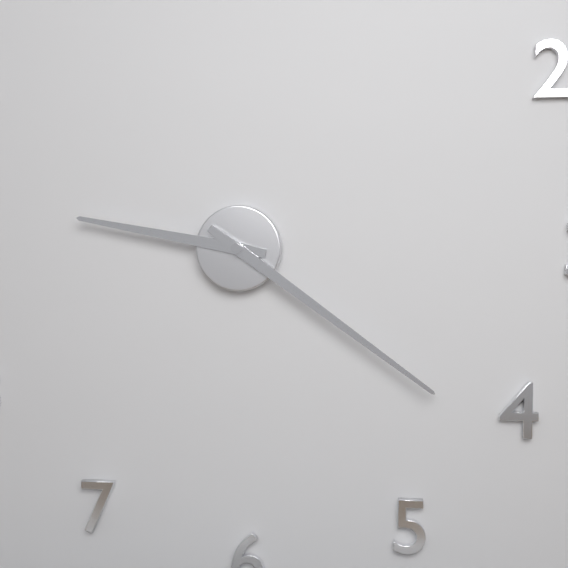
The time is 9,21
